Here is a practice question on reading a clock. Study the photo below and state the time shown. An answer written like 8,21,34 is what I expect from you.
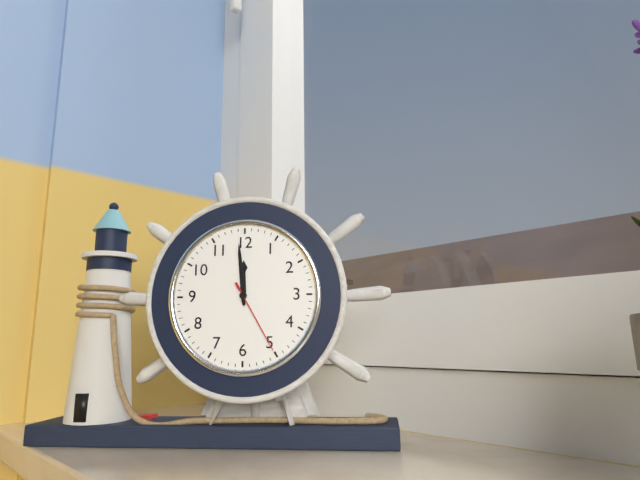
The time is 11,59,25
